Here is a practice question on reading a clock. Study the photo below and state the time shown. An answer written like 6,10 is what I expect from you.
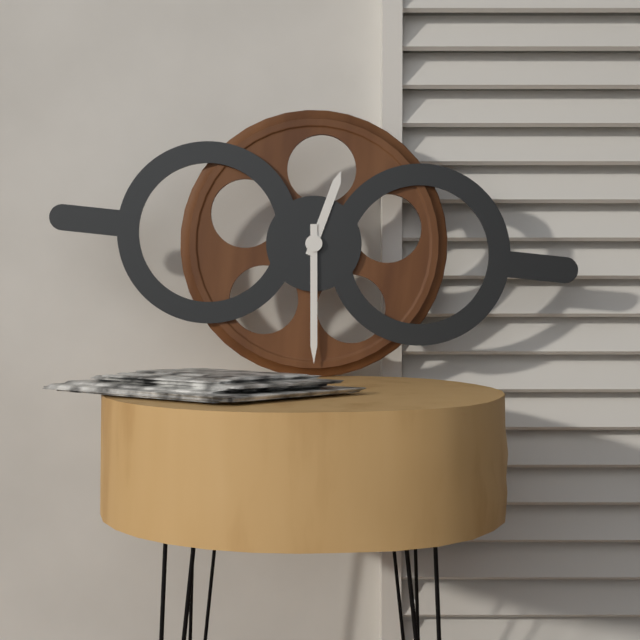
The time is 12,29
